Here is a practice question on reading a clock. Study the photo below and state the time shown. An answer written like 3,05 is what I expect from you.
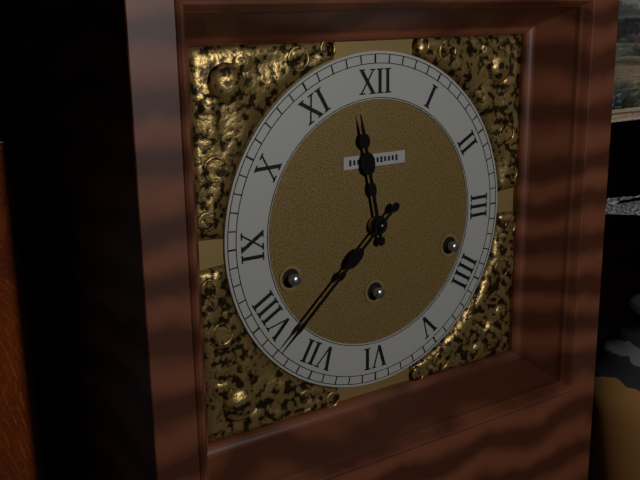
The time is 11,38
